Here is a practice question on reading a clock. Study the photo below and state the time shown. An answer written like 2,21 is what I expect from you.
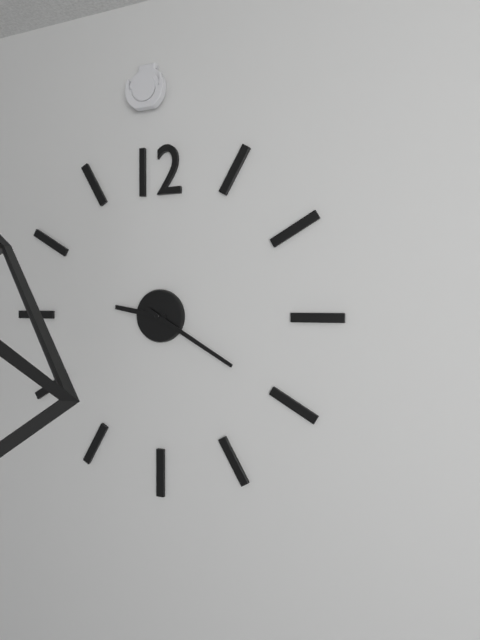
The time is 9,20
